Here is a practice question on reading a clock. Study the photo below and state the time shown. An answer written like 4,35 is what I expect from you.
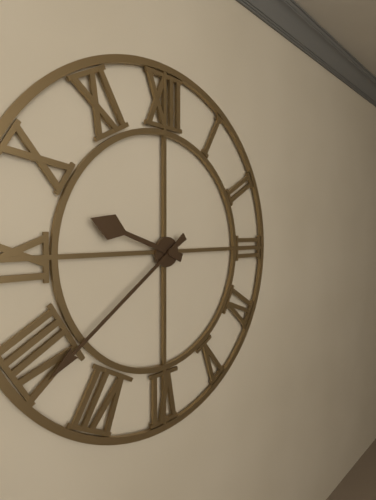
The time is 9,39
